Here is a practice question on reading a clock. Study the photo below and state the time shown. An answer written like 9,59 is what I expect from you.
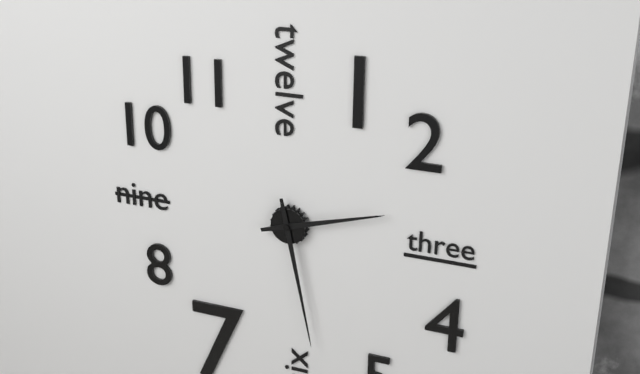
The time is 2,28
